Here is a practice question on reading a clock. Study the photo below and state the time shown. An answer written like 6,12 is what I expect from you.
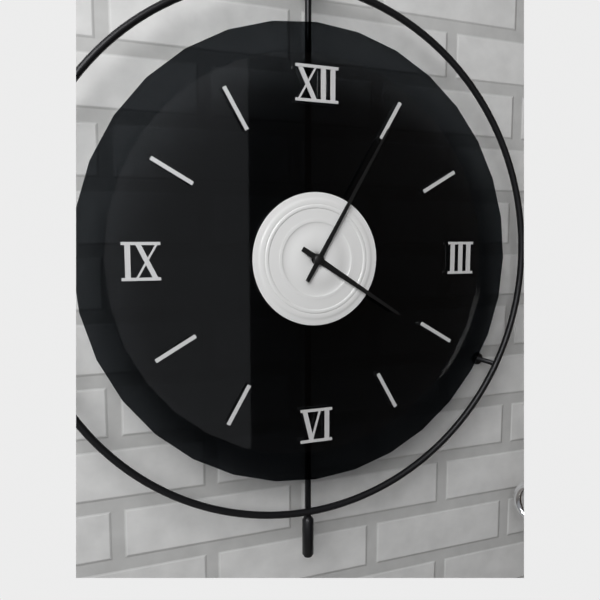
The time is 4,05
